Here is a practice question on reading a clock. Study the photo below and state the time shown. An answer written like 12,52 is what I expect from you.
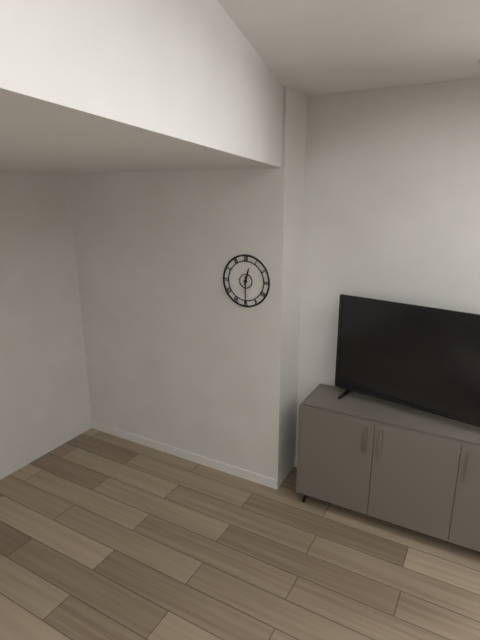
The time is 12,30
